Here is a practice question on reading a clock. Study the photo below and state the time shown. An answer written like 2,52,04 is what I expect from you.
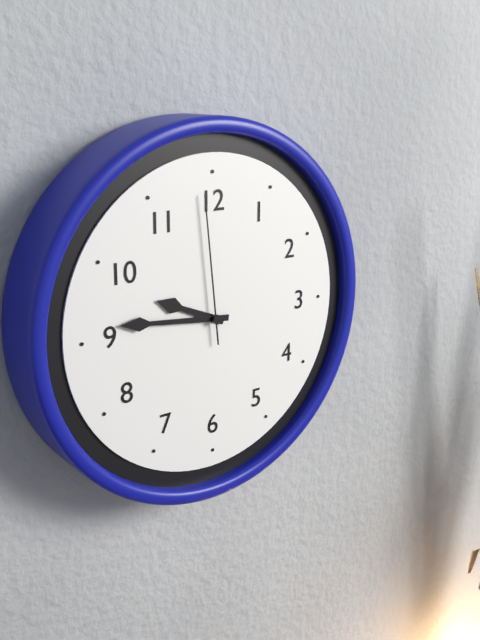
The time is 9,46,59
